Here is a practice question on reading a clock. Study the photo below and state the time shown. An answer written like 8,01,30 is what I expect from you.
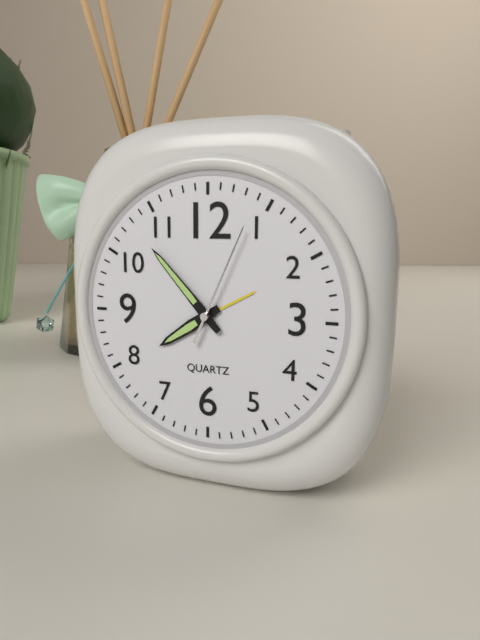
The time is 7,53,04
